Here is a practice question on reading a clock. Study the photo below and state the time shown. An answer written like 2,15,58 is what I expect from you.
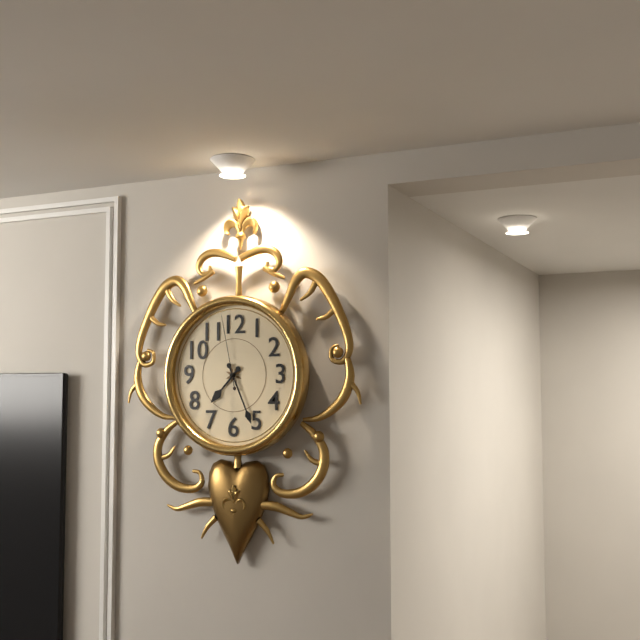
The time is 7,26,58
